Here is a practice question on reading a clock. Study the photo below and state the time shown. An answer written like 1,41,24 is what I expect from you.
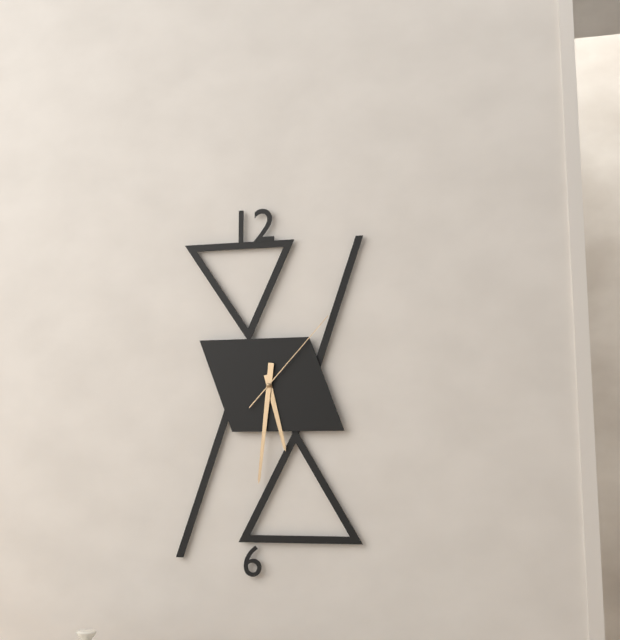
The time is 5,31,07
